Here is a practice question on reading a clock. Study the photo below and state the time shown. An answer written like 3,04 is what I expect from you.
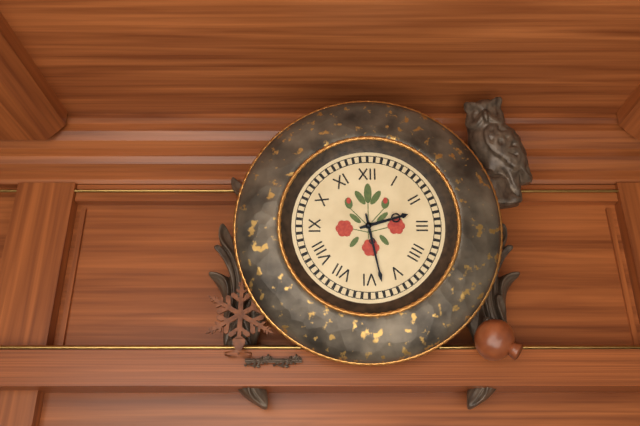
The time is 2,28
